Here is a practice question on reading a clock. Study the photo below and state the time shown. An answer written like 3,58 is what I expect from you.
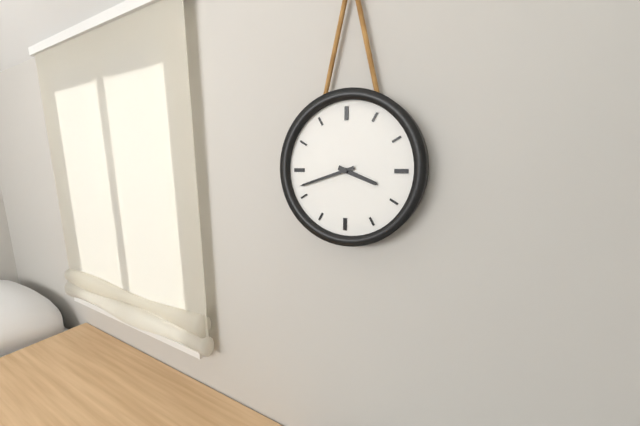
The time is 3,42
